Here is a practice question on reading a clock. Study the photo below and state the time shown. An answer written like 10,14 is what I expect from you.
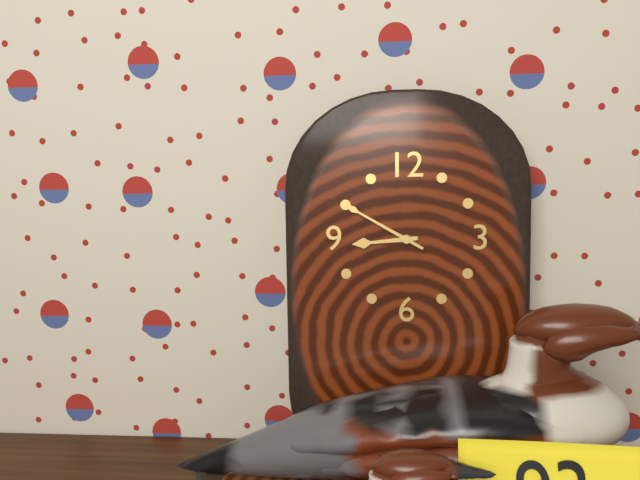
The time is 8,50
